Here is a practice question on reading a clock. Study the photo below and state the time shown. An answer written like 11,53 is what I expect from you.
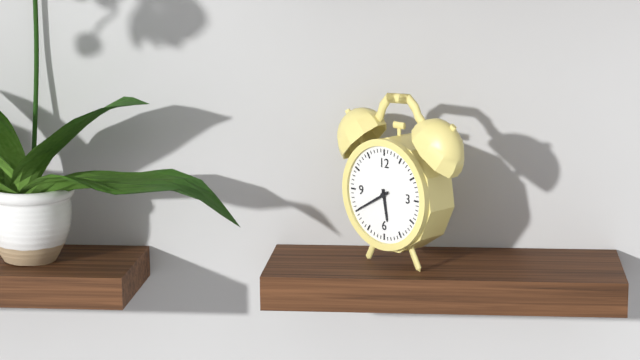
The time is 5,40
